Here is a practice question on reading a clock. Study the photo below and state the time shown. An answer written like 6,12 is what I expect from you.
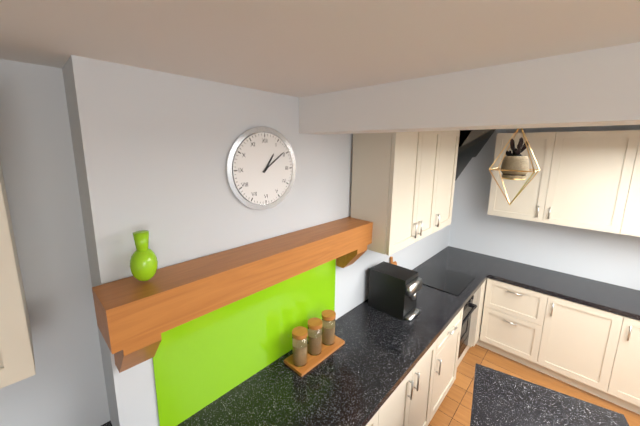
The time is 1,09
